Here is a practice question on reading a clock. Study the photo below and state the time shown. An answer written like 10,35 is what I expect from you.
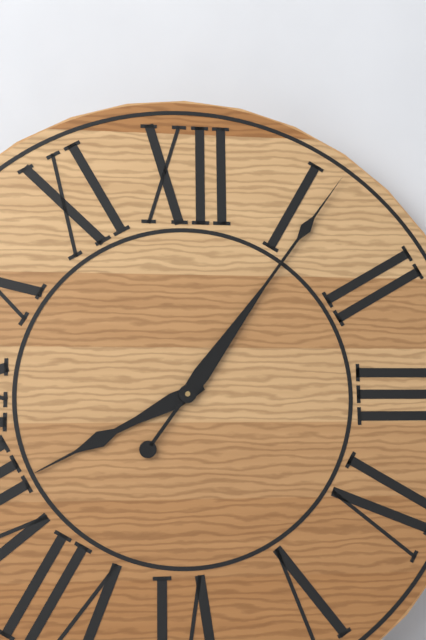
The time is 8,06
